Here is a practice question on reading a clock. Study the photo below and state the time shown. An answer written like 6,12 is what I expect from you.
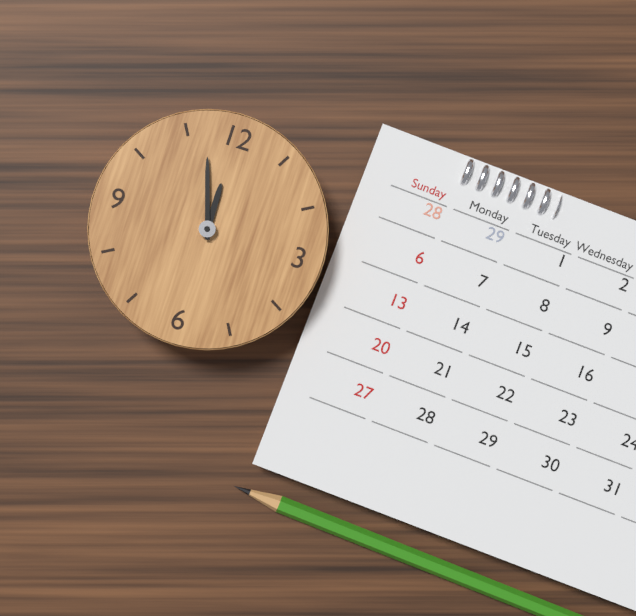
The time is 11,57
